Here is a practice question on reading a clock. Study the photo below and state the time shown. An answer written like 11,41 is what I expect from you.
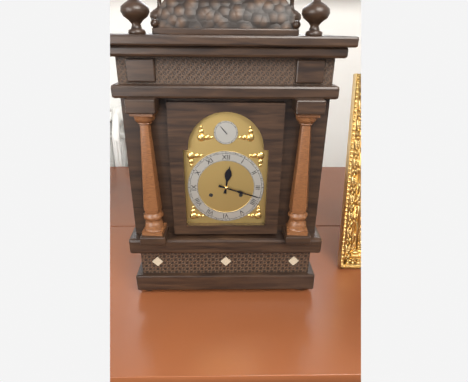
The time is 12,18
